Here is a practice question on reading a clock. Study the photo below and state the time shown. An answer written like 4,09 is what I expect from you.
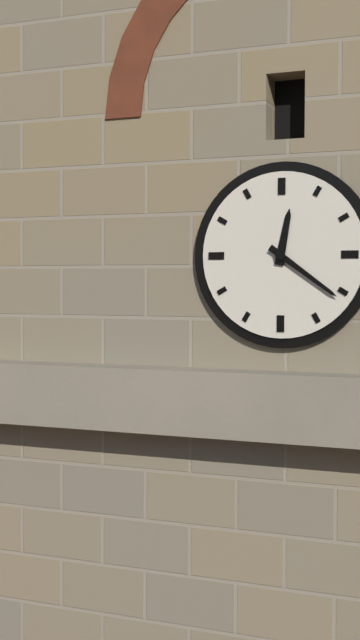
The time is 12,21
